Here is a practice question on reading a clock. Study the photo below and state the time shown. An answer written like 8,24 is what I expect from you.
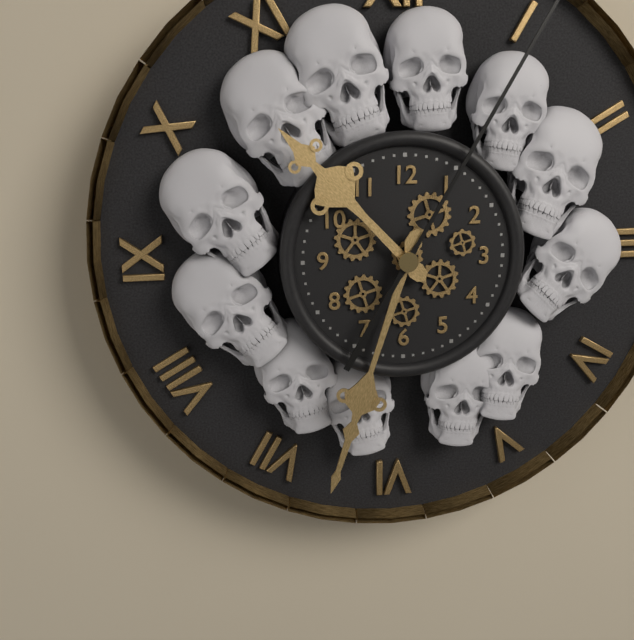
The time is 10,33
